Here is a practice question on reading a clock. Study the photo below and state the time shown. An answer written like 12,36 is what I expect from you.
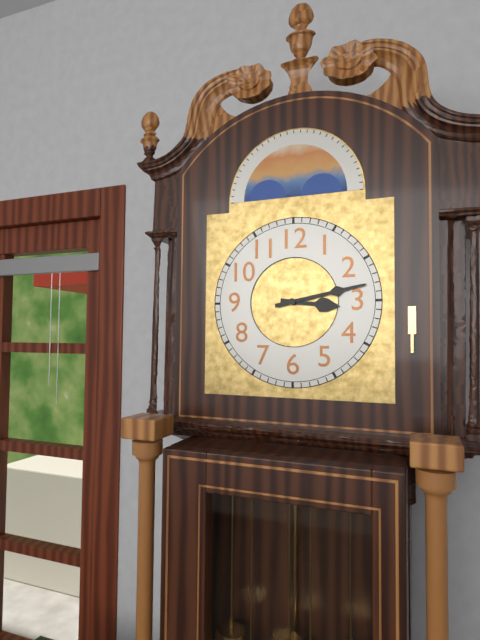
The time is 3,13
